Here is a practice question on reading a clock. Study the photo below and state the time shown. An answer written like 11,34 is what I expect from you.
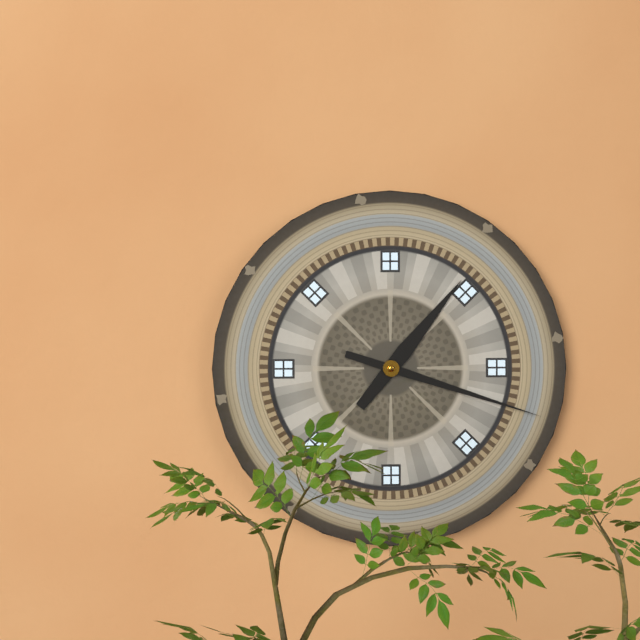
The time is 1,18
